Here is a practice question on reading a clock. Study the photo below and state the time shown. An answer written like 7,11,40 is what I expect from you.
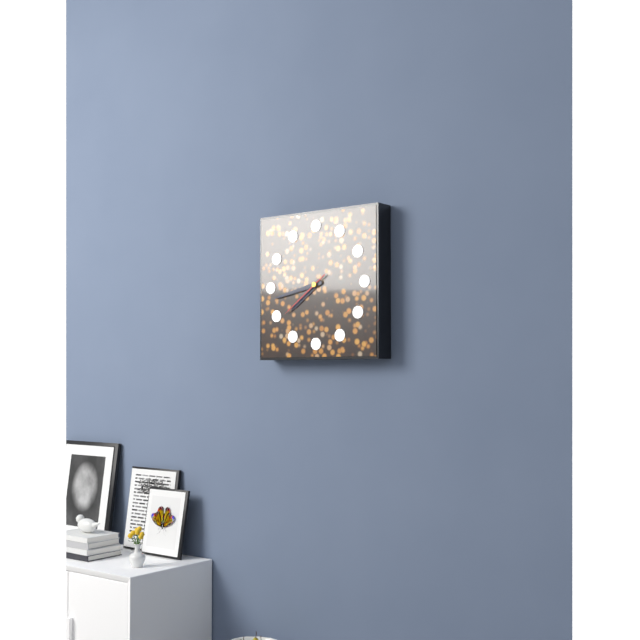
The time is 7,43,39
